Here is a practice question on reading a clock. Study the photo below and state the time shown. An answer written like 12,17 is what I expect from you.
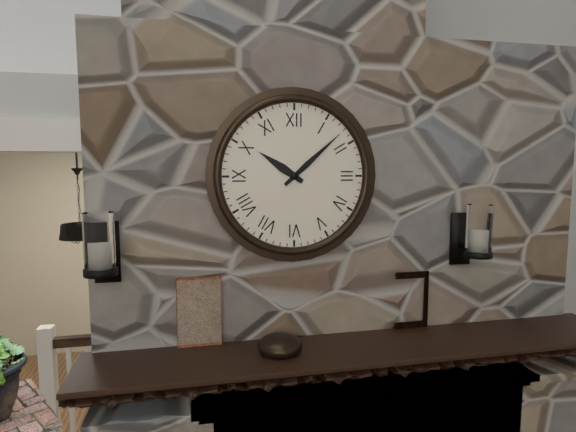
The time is 10,08
